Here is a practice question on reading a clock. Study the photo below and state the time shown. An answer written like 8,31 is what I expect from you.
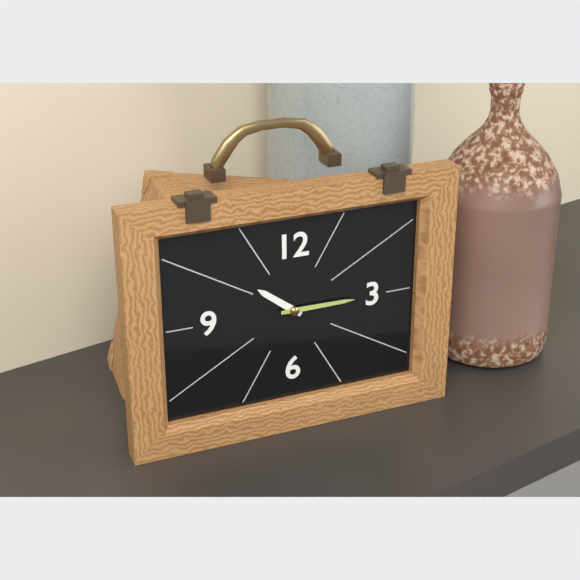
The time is 10,15
